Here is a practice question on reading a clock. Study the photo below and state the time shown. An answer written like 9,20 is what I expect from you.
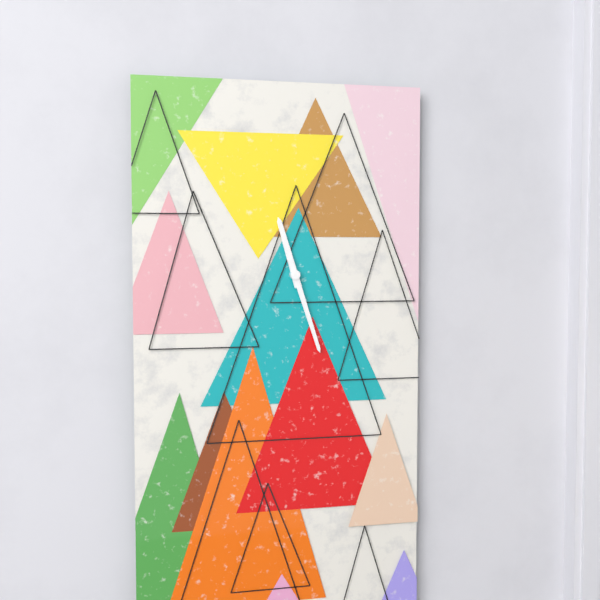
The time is 11,27
